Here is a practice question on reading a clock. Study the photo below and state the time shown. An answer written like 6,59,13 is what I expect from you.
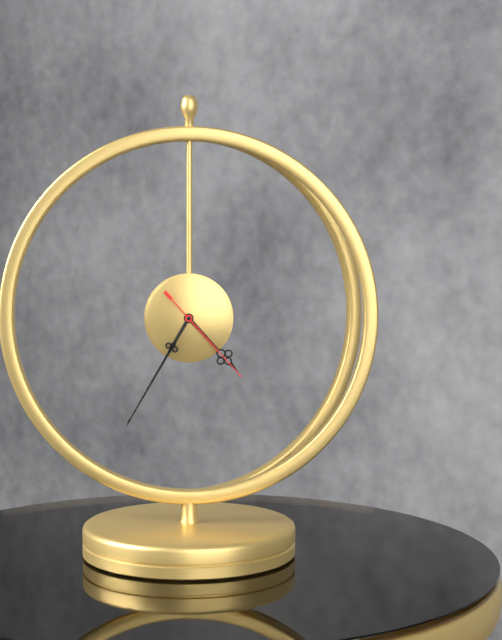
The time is 4,35,23
